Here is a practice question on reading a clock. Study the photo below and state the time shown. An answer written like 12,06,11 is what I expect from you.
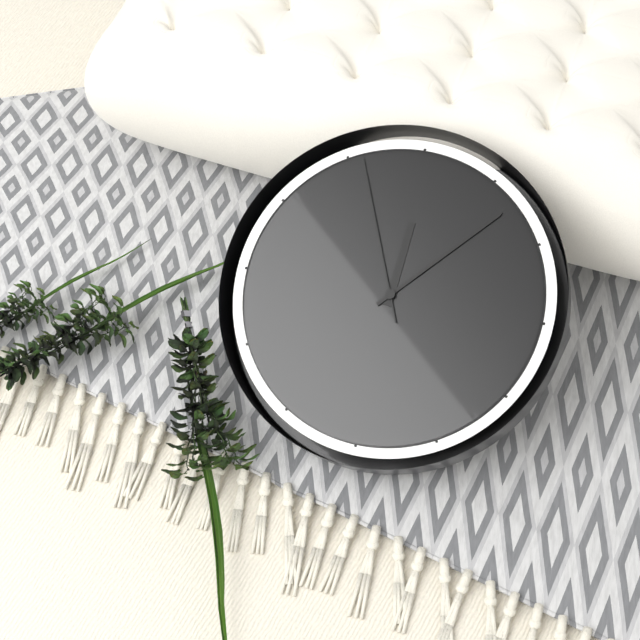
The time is 12,07,56
